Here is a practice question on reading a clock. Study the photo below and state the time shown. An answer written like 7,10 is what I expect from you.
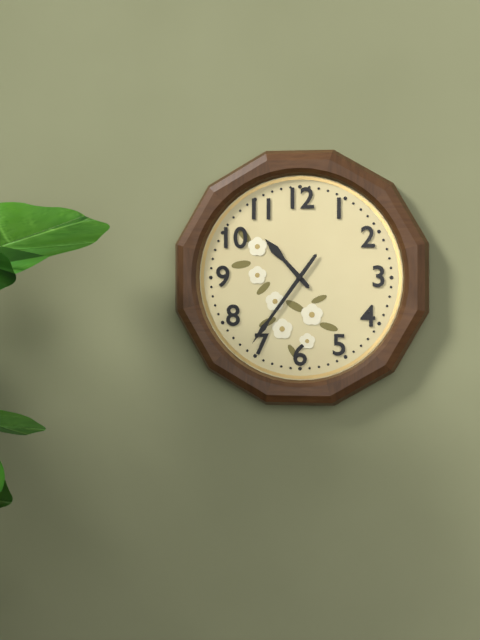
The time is 10,36
